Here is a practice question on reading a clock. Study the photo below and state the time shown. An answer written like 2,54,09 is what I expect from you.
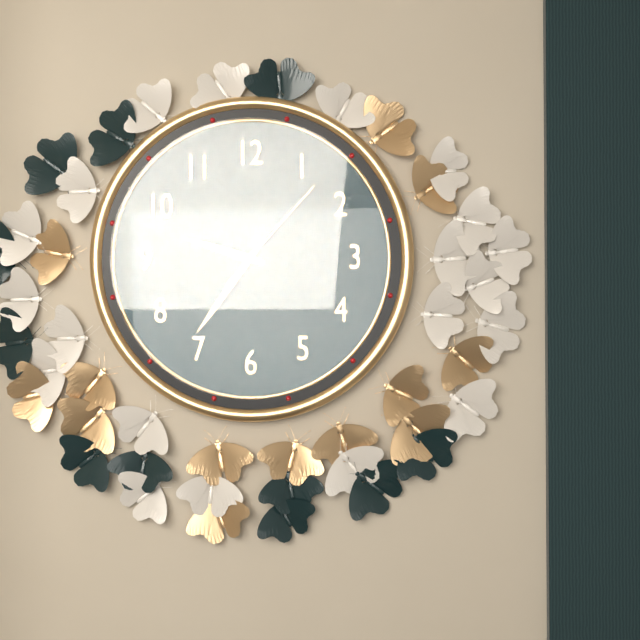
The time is 9,36,07
